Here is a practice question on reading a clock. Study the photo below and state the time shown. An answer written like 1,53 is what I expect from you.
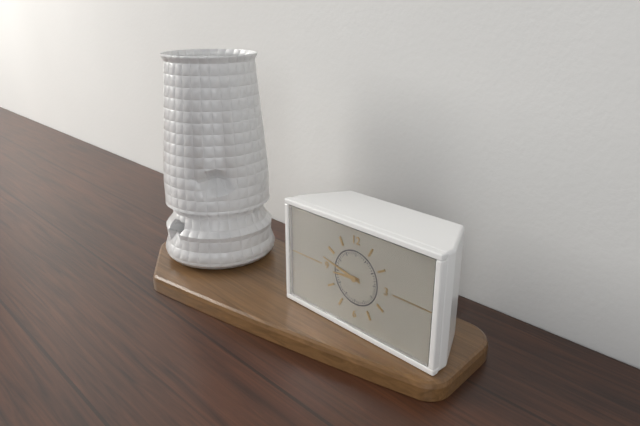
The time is 8,47
